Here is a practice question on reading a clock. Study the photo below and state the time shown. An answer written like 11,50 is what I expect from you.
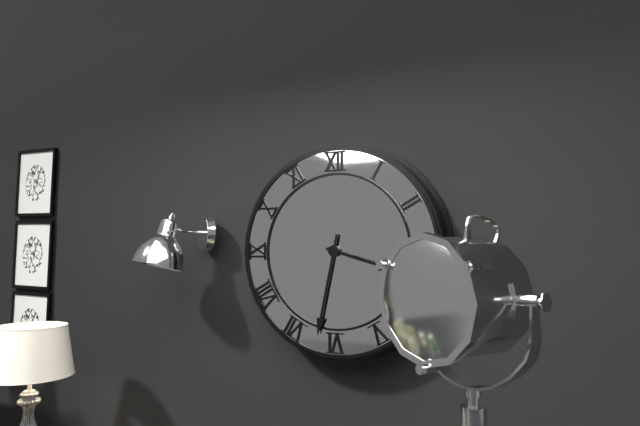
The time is 3,32
